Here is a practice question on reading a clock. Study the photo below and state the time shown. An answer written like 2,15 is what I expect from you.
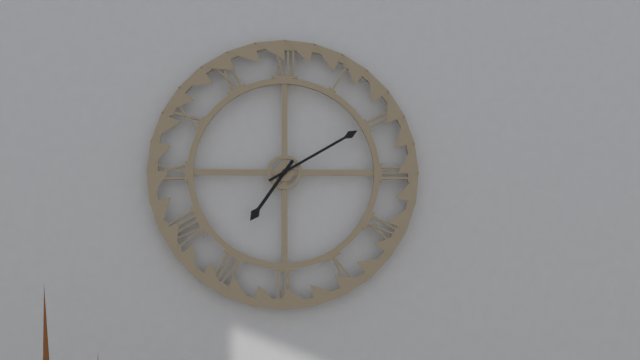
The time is 7,10
